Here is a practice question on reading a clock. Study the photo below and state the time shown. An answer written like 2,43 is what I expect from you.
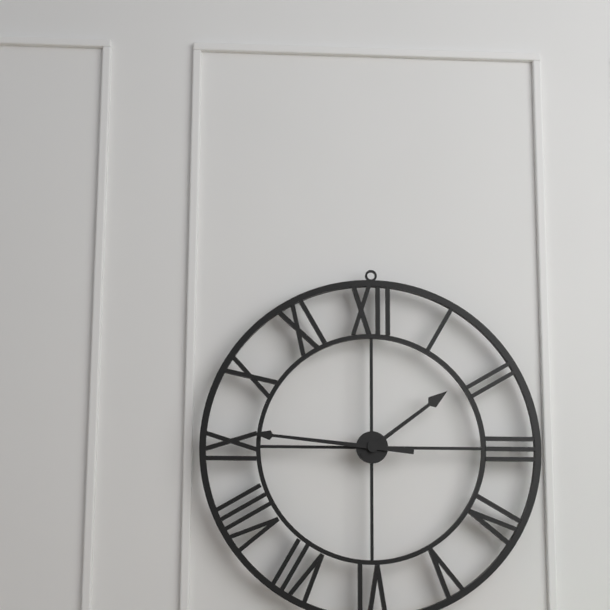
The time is 1,46
